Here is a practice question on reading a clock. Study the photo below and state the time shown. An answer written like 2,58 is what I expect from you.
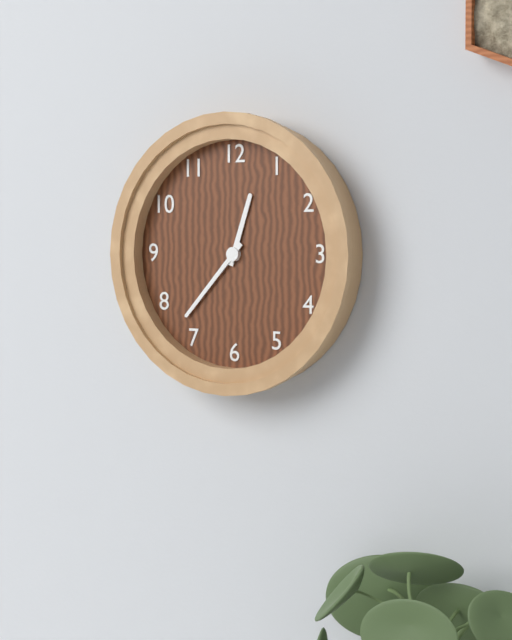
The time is 12,37
